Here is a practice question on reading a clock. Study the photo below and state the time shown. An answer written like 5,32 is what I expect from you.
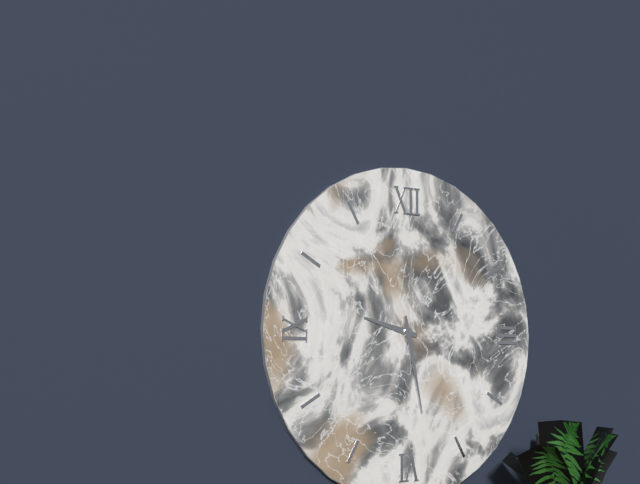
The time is 9,28
